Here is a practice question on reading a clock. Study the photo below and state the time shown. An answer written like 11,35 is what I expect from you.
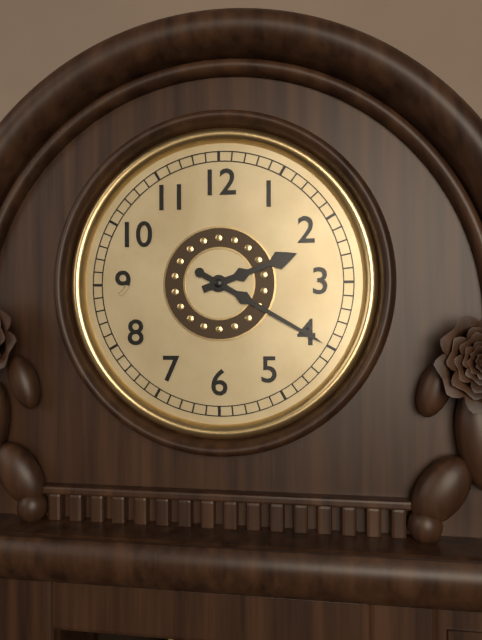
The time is 2,20
